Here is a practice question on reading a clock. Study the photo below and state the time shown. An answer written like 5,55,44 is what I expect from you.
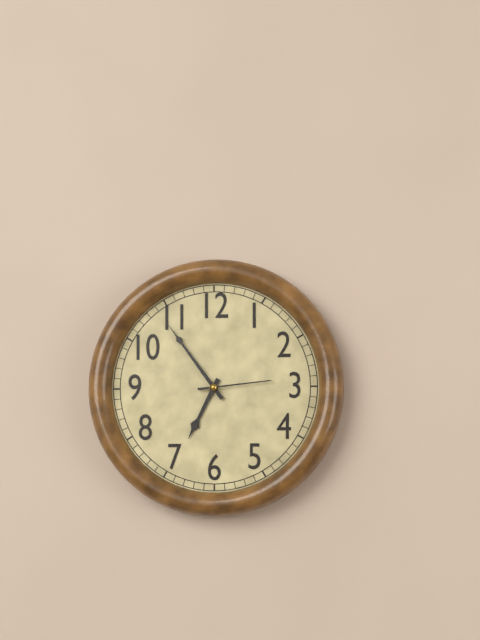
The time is 6,54,14
